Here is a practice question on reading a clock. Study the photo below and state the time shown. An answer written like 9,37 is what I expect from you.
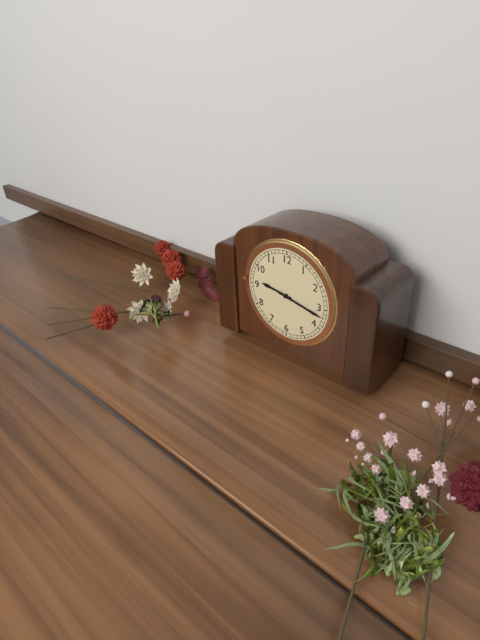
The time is 9,17
